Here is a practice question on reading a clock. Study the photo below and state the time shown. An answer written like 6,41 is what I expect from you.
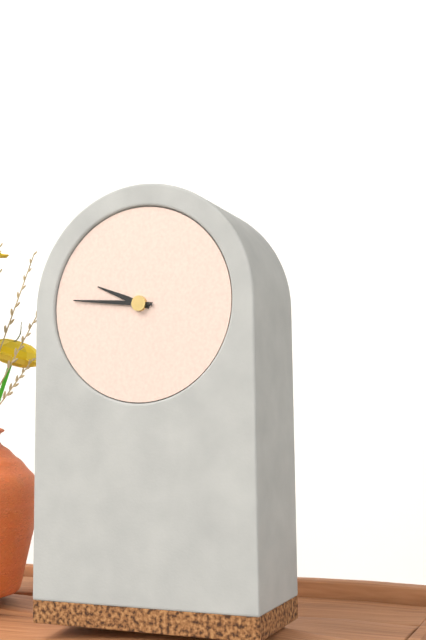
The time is 9,46
